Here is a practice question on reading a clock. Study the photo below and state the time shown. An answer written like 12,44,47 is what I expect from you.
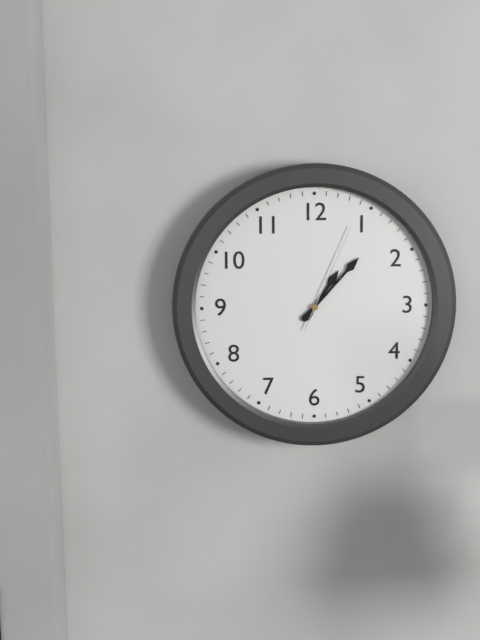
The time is 1,07,04
